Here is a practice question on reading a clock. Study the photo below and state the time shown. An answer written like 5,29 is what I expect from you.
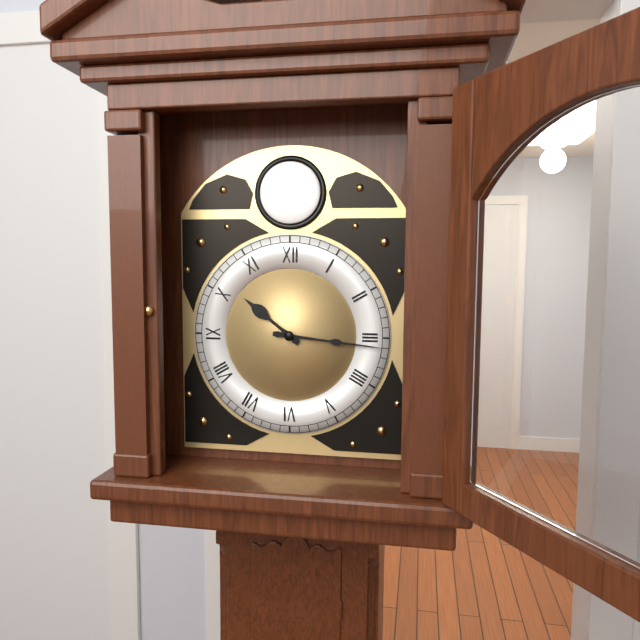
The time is 10,16
